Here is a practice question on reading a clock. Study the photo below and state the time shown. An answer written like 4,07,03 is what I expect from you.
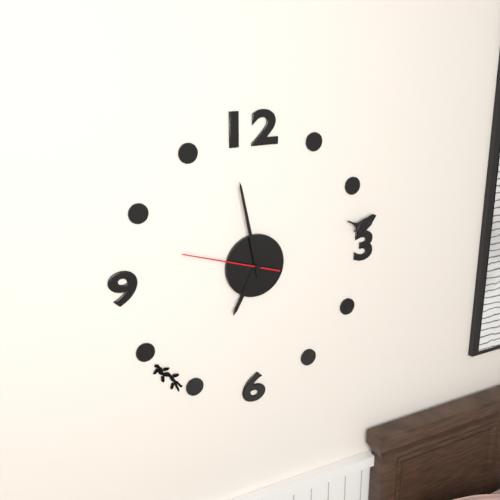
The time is 6,58,48
